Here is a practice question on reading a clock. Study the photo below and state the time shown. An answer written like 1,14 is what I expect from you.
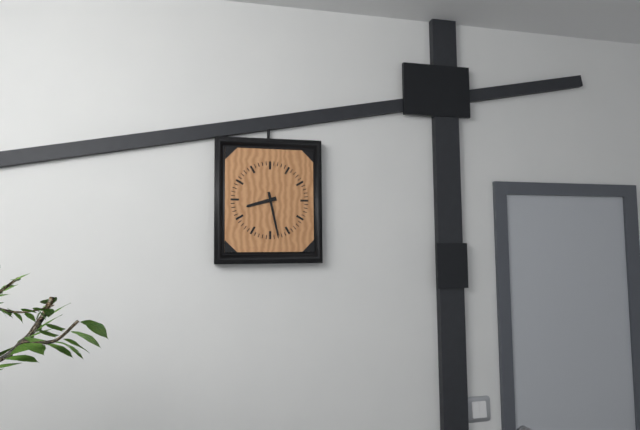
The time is 8,28
